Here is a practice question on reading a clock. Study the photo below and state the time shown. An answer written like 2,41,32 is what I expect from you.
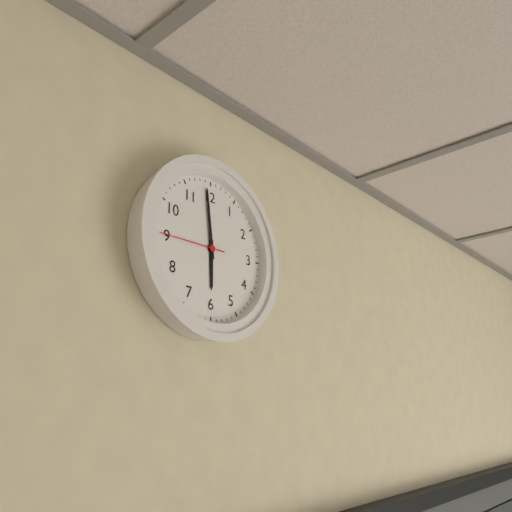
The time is 5,59,45
